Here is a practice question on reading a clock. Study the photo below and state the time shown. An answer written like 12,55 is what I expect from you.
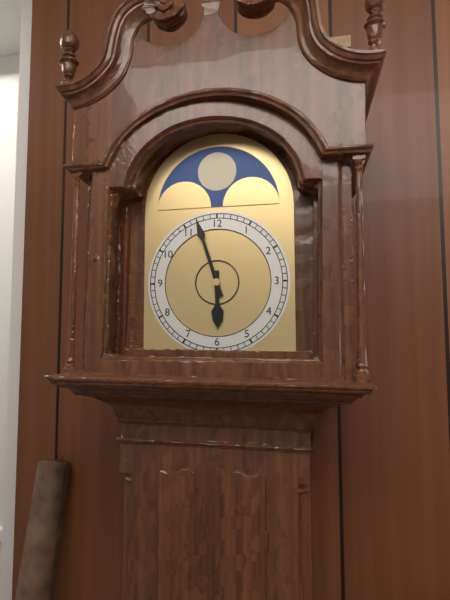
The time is 5,57
